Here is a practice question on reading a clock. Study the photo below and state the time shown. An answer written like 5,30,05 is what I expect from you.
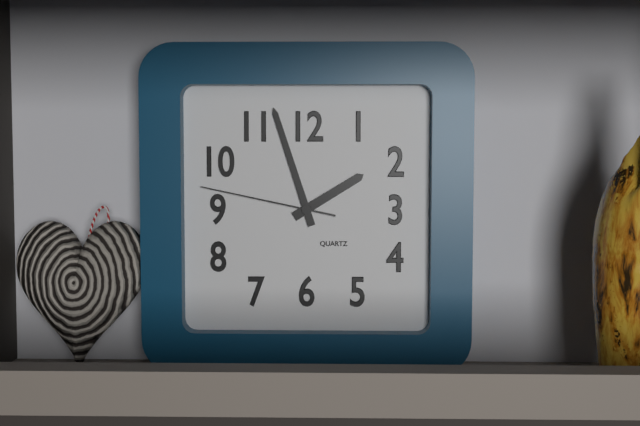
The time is 1,57,47
